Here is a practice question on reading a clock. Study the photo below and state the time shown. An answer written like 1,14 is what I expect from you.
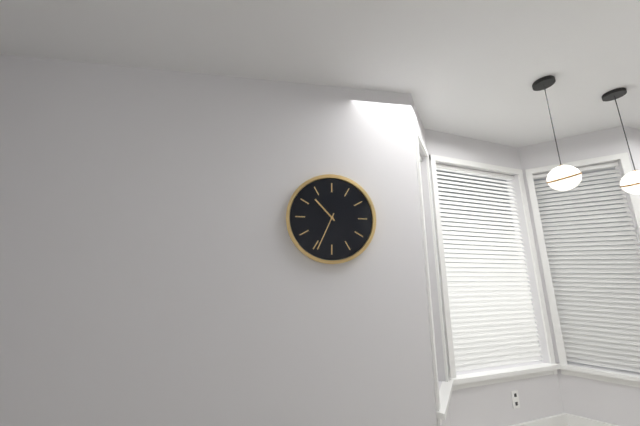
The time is 10,34
